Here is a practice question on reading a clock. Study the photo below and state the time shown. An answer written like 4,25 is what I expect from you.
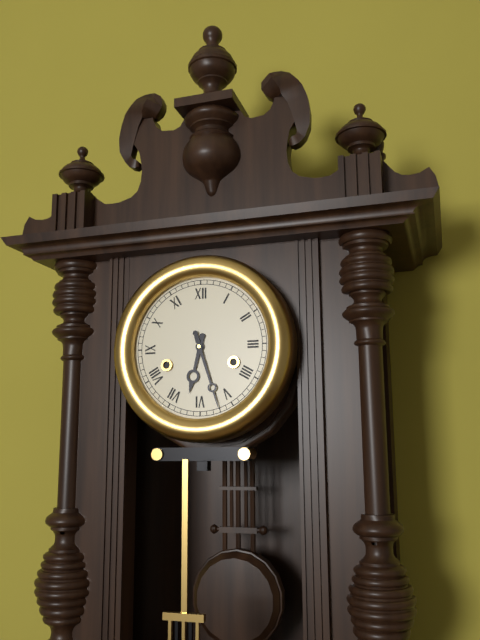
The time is 6,27
